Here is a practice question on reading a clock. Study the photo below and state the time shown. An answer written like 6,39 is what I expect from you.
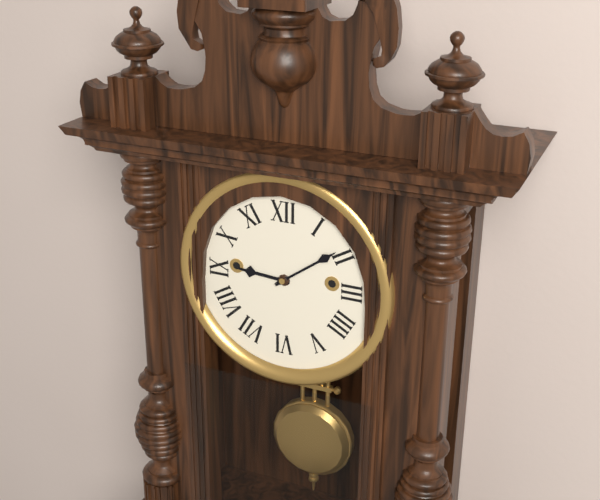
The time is 9,09
